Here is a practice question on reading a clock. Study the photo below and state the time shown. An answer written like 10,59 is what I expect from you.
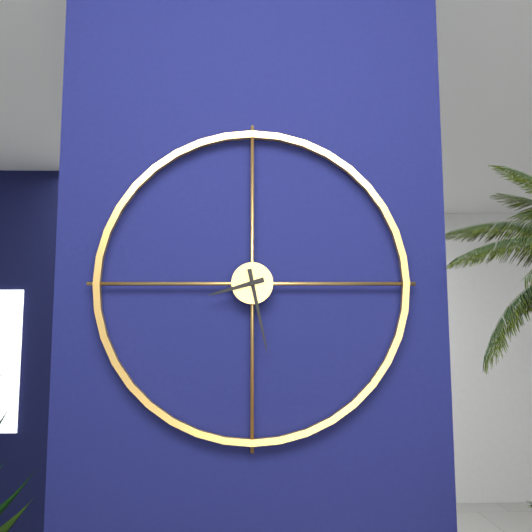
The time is 8,28
